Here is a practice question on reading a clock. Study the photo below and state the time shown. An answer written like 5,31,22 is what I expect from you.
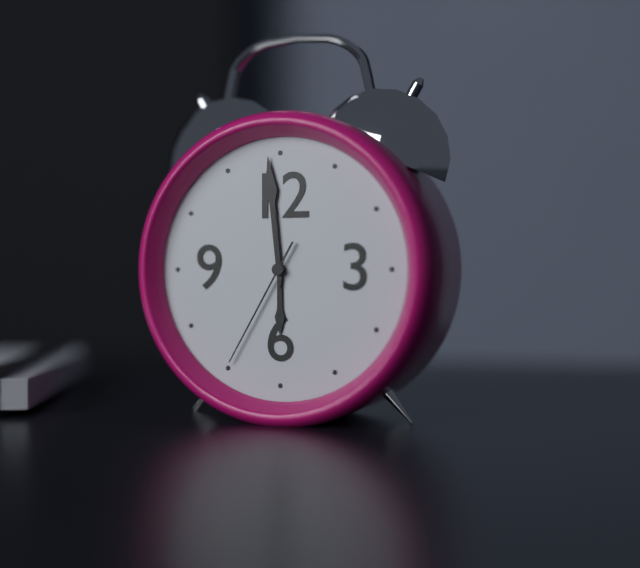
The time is 5,59,35
